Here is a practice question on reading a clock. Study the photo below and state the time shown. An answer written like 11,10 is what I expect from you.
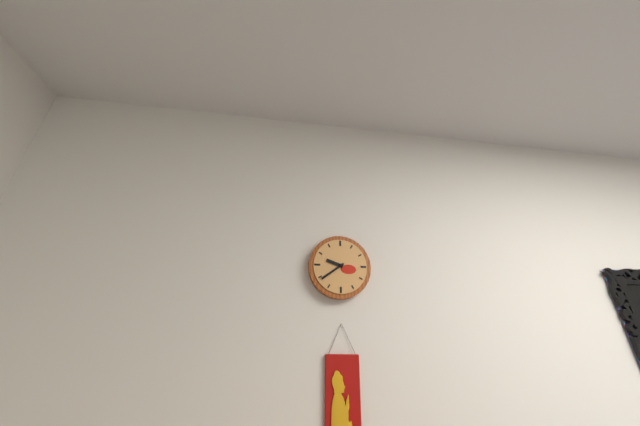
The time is 9,39
